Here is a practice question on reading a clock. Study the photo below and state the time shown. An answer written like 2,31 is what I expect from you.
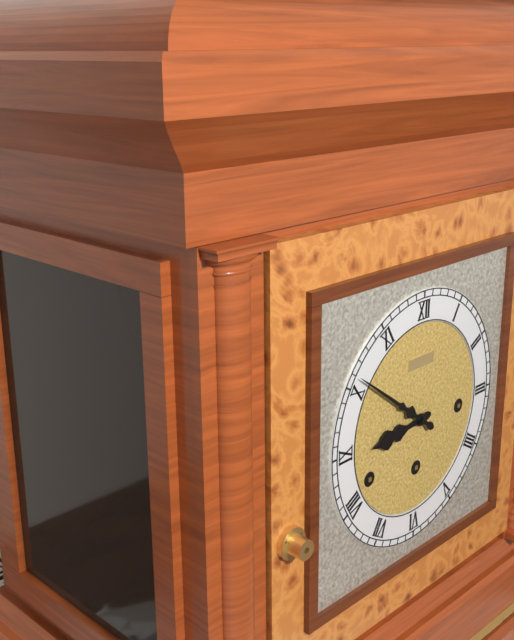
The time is 8,51
